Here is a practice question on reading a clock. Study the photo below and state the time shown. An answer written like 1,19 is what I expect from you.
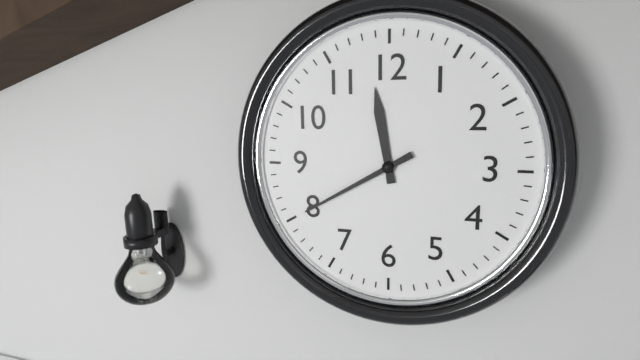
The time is 11,40
